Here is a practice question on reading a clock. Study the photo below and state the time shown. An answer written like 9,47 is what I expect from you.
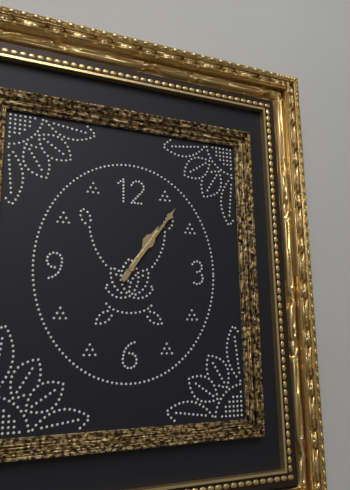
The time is 1,06
